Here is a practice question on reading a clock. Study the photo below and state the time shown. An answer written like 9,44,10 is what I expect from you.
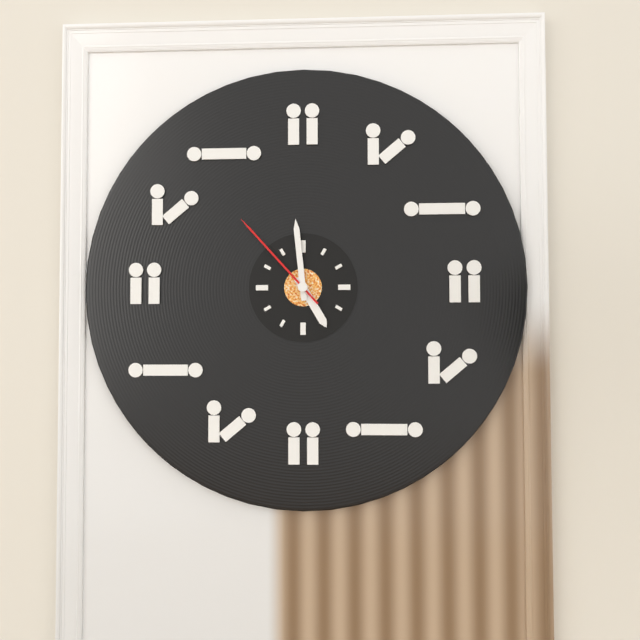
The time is 4,59,53
